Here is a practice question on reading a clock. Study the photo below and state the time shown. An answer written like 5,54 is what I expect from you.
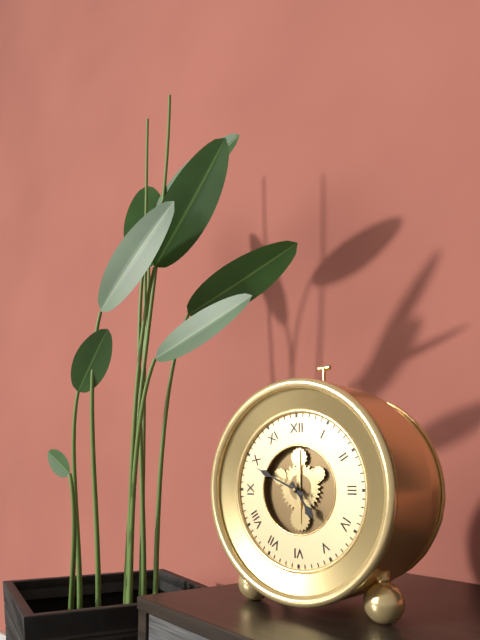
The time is 4,49
